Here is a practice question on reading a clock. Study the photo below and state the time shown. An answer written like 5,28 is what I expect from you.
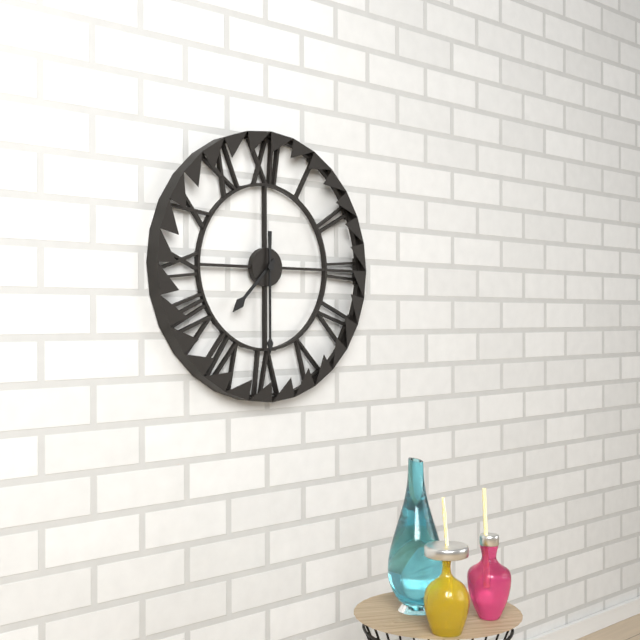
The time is 7,30
